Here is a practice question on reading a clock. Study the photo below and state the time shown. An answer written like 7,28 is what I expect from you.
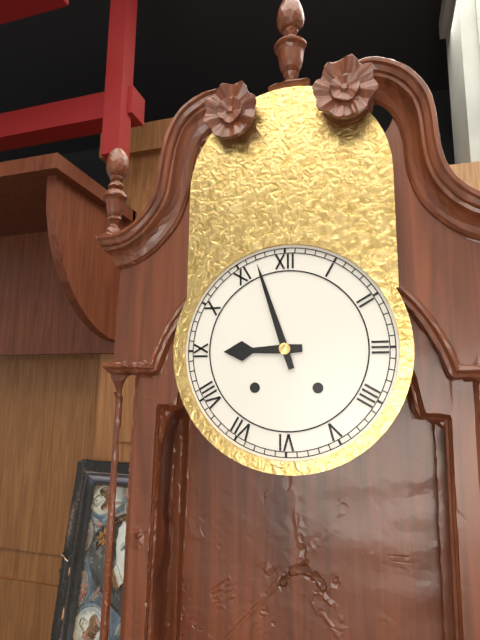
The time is 8,57
